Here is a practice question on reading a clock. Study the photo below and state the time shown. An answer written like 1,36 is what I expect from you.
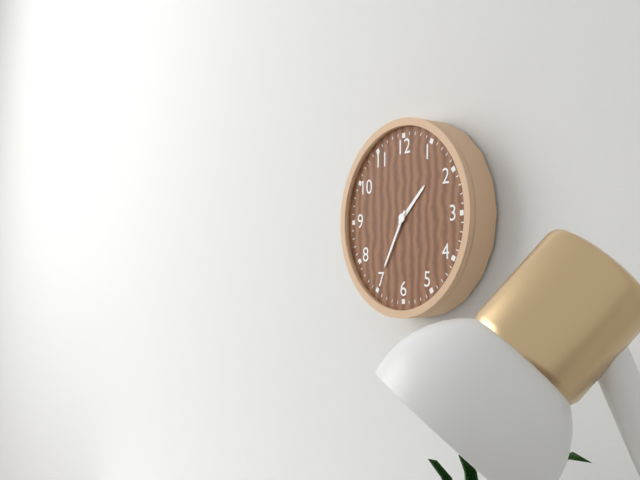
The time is 1,35
